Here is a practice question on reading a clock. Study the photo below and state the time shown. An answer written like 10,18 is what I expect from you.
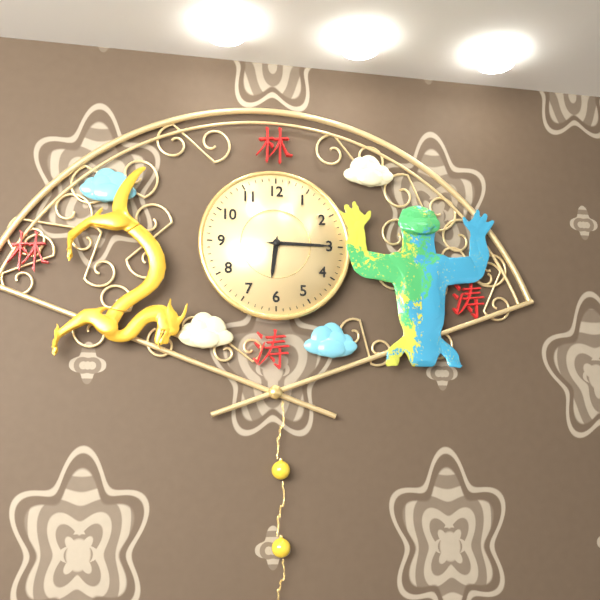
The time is 6,15
